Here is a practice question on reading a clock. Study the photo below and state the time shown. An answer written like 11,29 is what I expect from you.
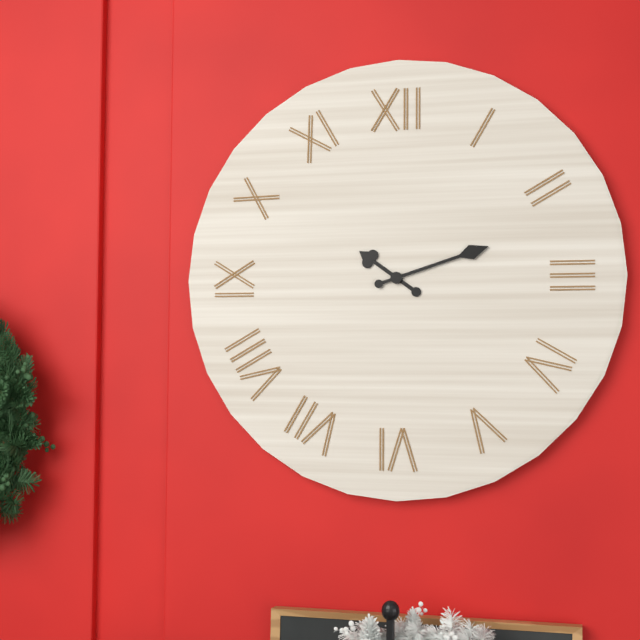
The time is 10,12
